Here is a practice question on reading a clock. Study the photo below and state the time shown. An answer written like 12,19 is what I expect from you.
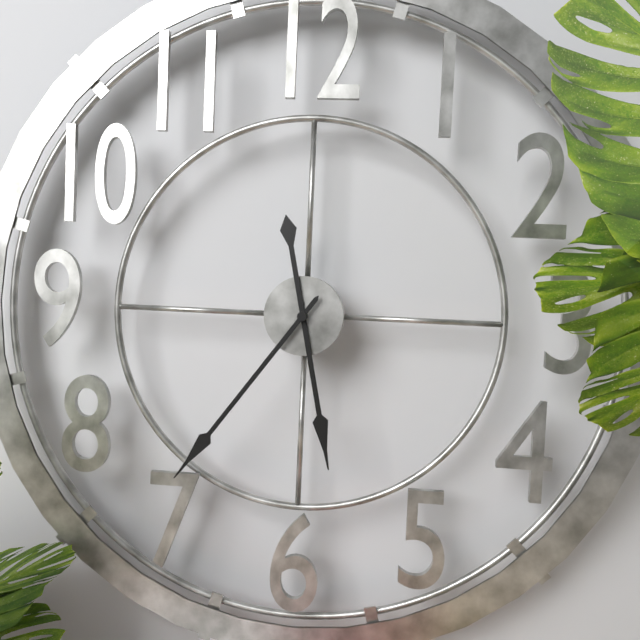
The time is 5,36
